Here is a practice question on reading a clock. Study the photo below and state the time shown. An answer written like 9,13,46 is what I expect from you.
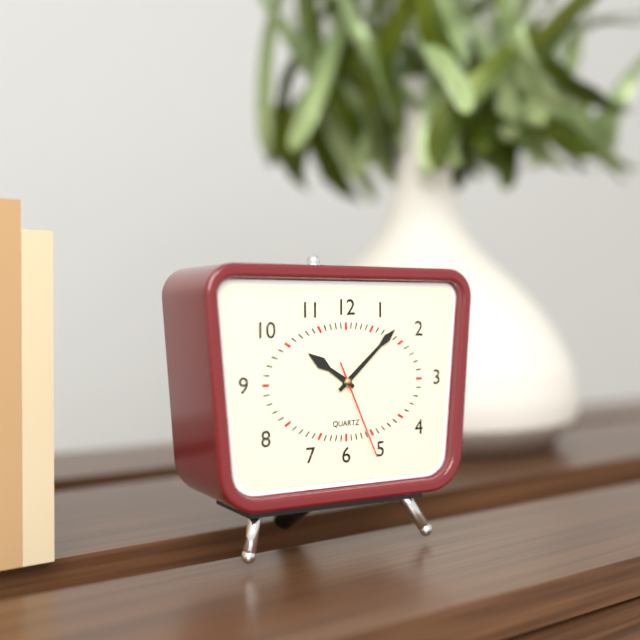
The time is 10,08,26
